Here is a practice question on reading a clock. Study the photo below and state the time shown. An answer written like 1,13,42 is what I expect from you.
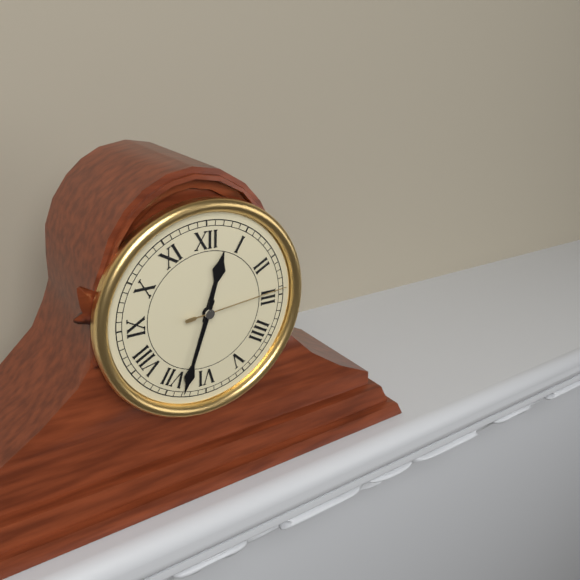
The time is 12,33,14
